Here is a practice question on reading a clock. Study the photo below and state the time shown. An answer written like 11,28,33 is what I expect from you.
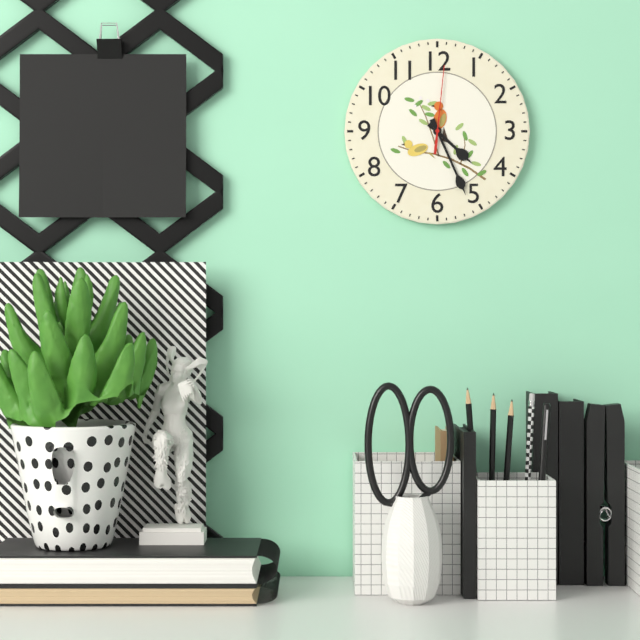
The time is 4,26,01
